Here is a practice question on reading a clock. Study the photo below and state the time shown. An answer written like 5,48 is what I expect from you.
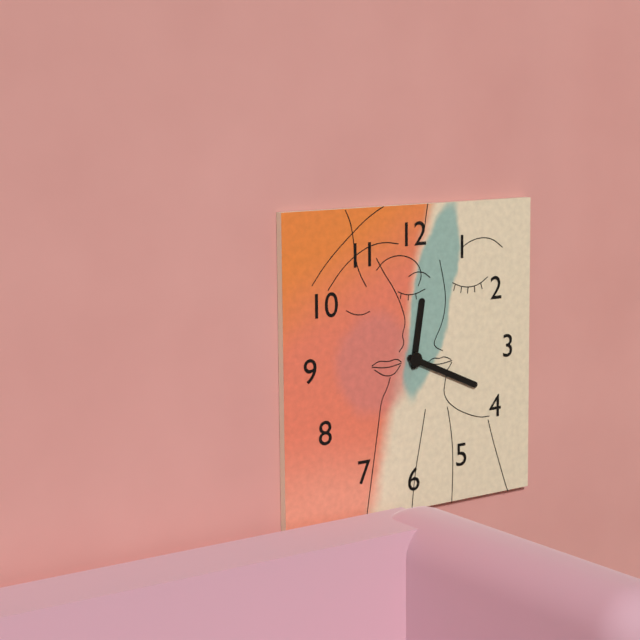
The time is 12,19
